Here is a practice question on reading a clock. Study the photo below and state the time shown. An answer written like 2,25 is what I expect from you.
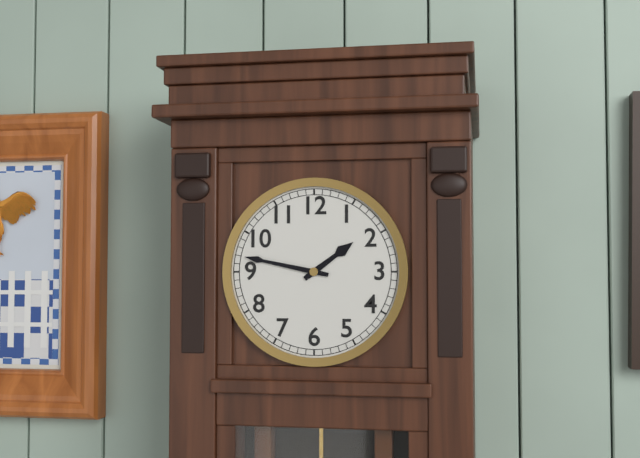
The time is 1,47
